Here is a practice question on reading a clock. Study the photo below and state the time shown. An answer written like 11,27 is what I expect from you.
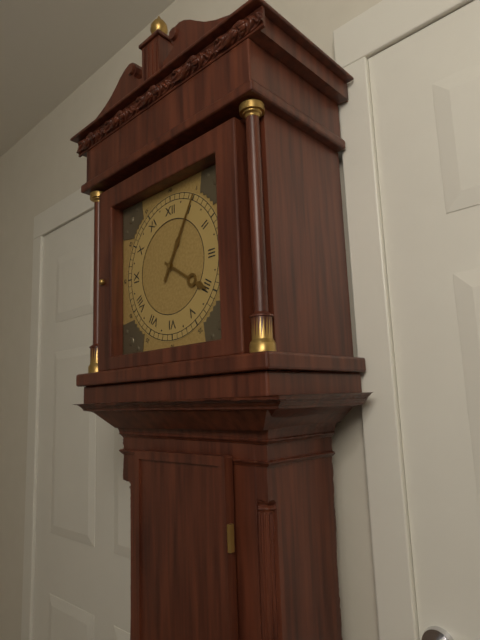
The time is 4,05
